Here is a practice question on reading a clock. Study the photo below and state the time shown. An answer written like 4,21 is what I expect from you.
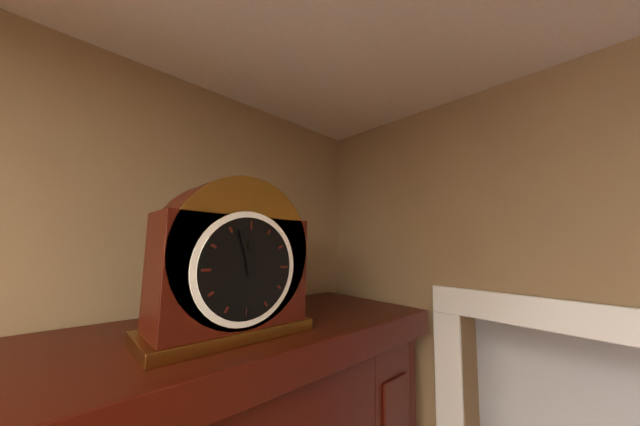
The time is 11,57
